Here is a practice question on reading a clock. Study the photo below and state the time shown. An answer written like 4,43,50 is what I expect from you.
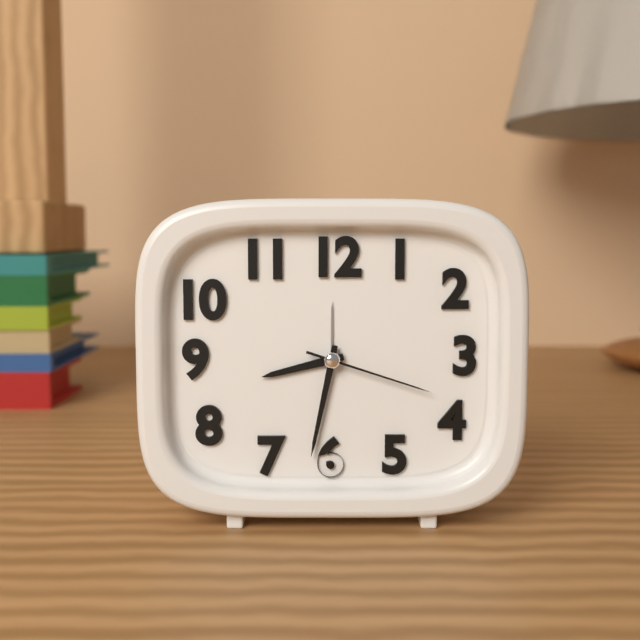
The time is 8,32,18
